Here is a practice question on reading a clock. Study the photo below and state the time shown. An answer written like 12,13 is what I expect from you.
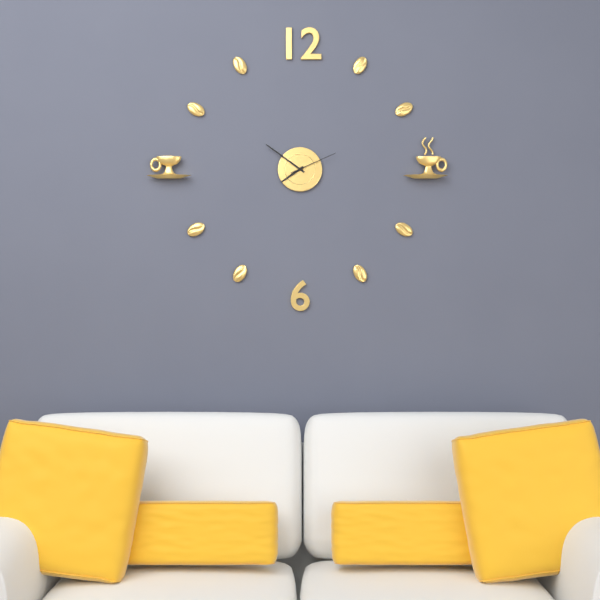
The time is 7,51
